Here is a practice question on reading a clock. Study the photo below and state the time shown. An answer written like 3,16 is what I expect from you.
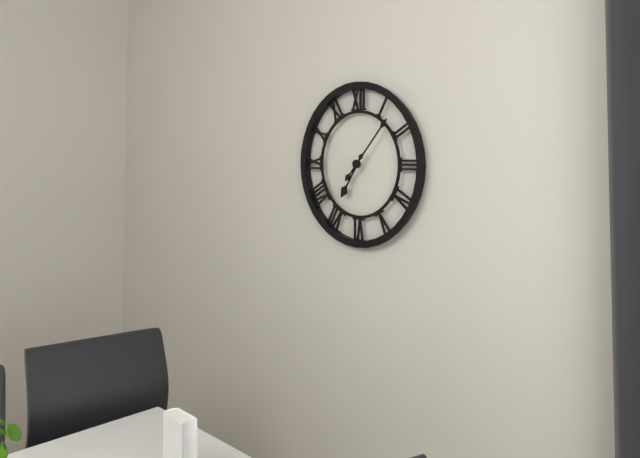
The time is 7,07
